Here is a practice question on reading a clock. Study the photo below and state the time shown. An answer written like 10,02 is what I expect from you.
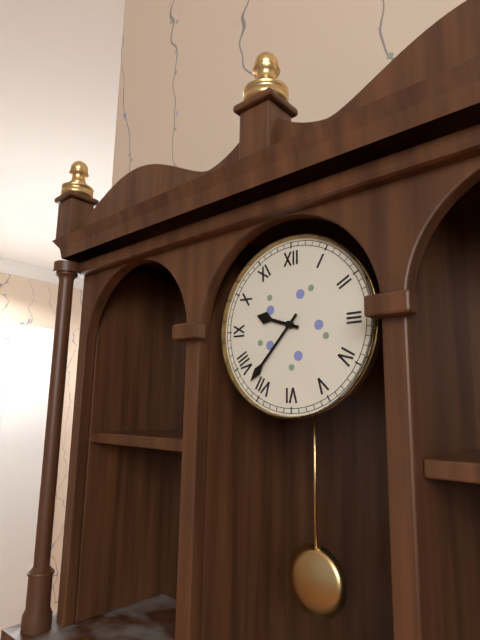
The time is 9,37
